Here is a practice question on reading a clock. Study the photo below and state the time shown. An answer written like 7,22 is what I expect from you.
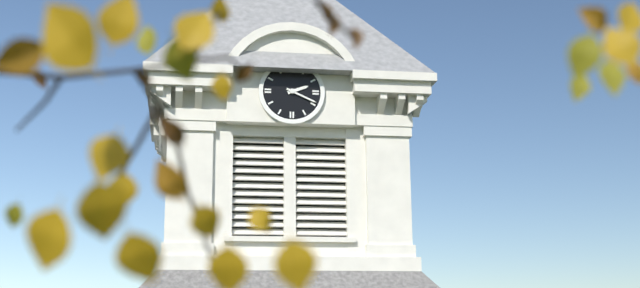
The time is 2,19
